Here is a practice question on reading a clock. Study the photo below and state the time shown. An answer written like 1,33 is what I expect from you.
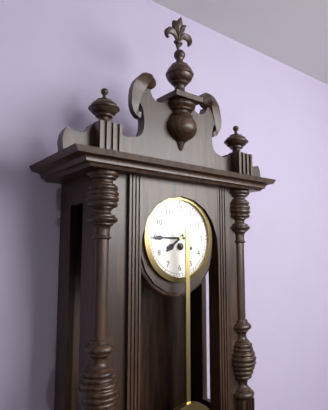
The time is 7,45
